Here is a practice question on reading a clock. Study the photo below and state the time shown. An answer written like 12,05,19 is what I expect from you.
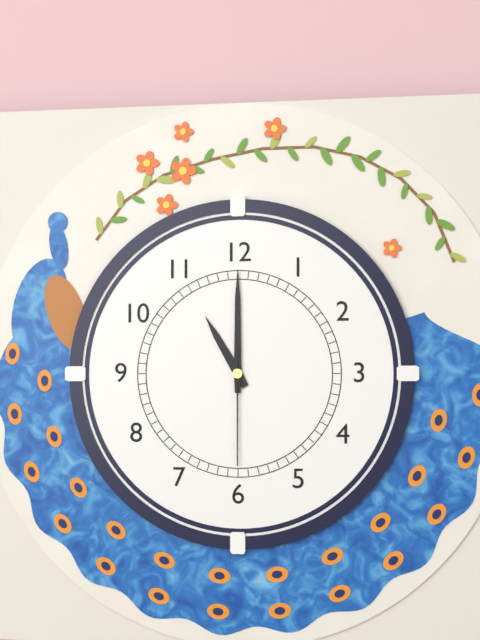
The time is 11,00,30
